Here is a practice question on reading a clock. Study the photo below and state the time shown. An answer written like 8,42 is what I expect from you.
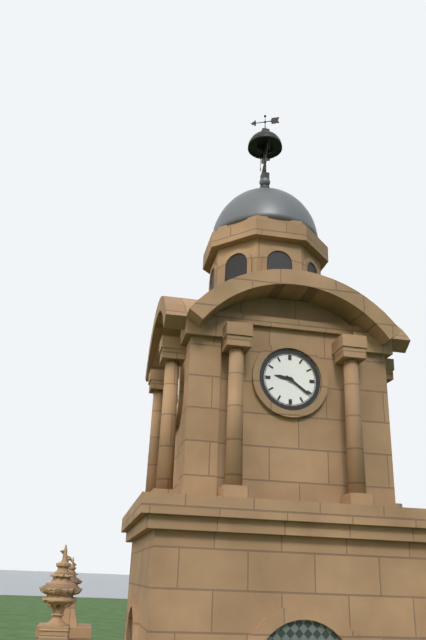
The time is 9,21
